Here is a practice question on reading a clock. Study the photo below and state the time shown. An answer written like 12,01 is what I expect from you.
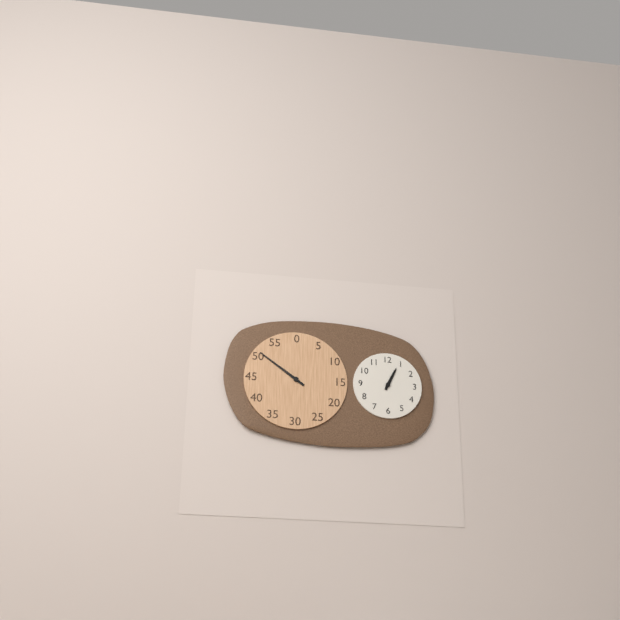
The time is 12,51
